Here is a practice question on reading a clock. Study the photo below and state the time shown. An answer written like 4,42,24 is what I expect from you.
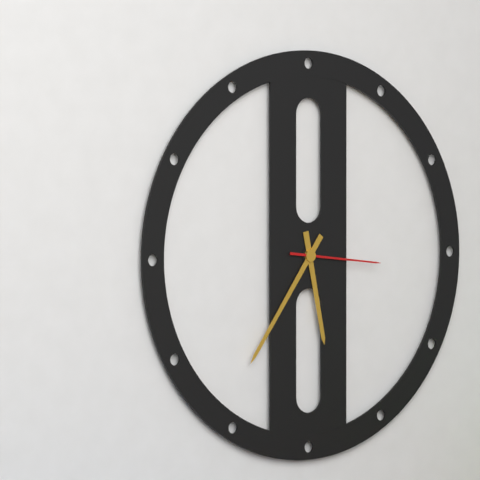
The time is 5,36,16
